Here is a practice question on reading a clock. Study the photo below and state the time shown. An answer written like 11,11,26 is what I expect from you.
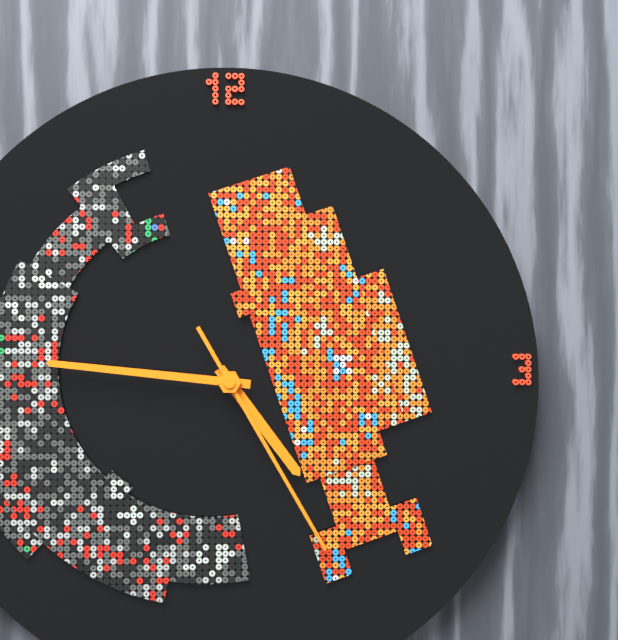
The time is 4,46,25
